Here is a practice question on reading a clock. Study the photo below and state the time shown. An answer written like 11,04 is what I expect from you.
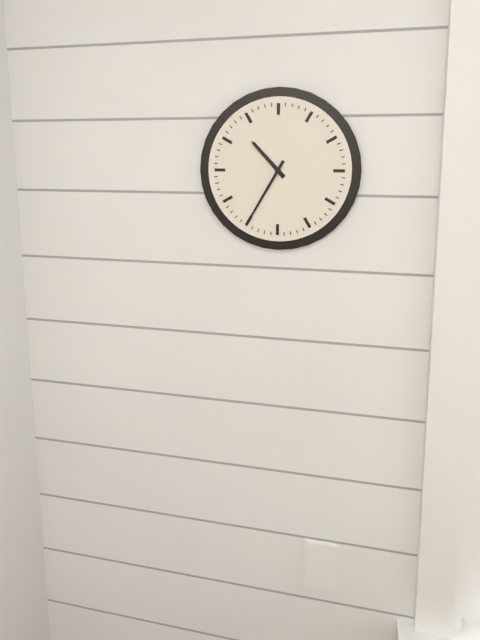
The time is 10,35
